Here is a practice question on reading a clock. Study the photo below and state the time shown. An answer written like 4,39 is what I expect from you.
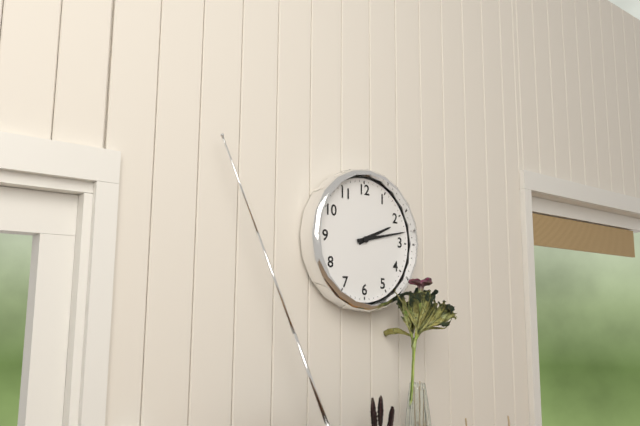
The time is 2,13
